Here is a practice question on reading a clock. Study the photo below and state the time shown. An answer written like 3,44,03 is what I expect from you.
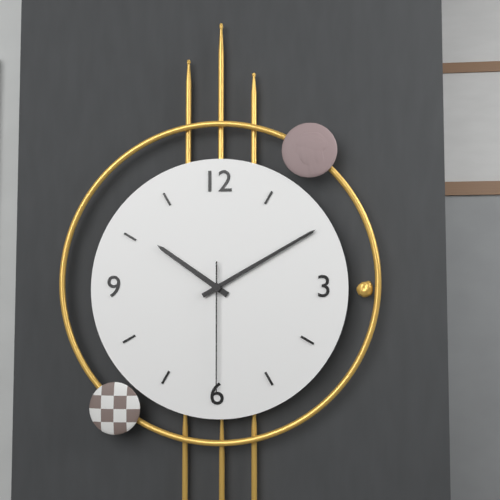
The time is 10,10,30
